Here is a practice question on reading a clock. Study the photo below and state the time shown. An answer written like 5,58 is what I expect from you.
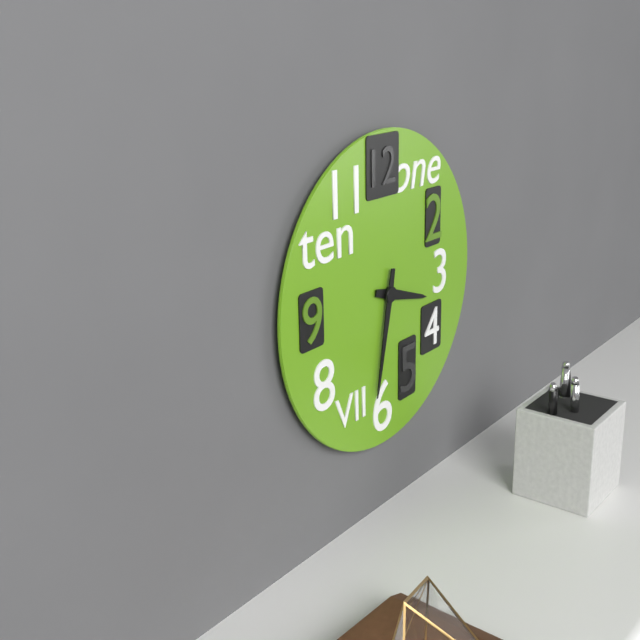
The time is 3,32
